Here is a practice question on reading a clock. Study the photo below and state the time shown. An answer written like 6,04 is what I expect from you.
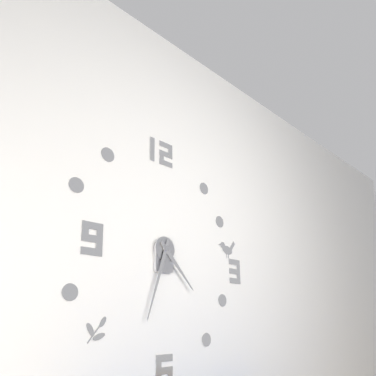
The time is 4,33
